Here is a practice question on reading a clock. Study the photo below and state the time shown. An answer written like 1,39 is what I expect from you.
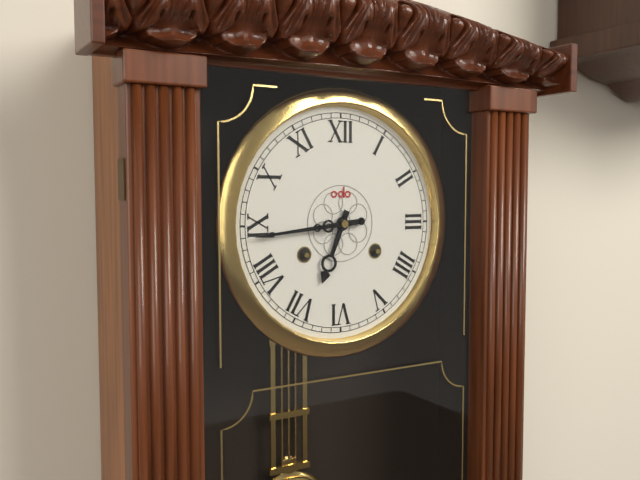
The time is 6,44
